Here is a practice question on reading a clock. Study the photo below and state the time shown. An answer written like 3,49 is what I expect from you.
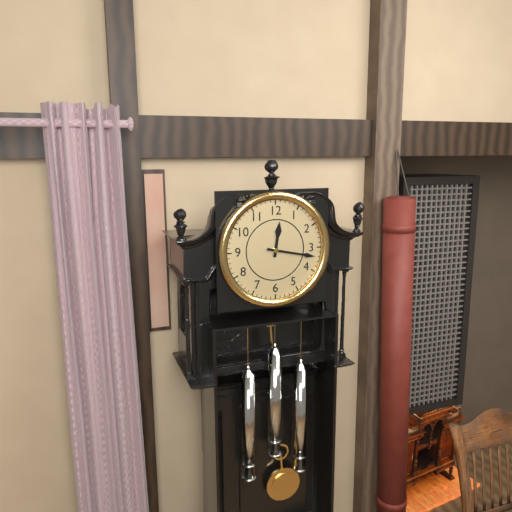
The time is 12,17
